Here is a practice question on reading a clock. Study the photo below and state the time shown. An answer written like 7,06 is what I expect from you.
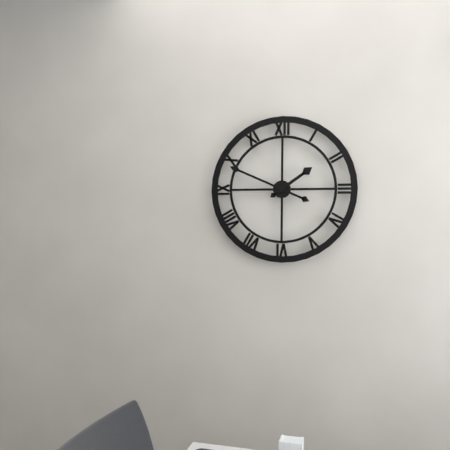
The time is 1,49
